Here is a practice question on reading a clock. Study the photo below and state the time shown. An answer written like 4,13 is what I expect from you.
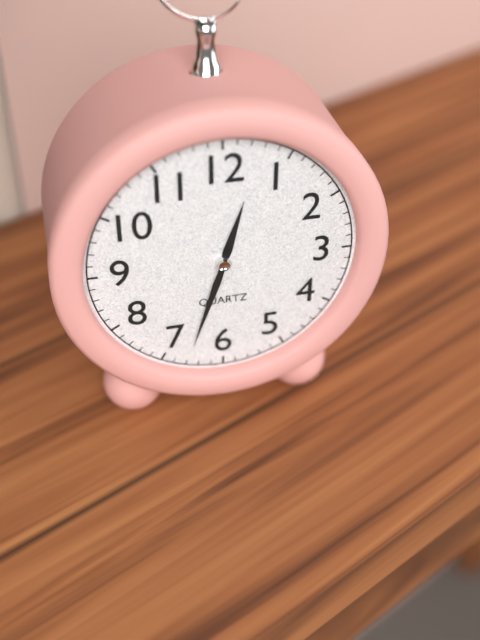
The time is 12,33
